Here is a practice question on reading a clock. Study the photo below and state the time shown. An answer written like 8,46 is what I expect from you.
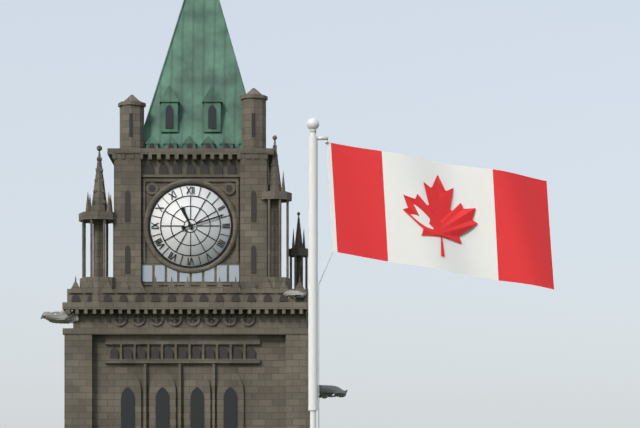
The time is 11,12
